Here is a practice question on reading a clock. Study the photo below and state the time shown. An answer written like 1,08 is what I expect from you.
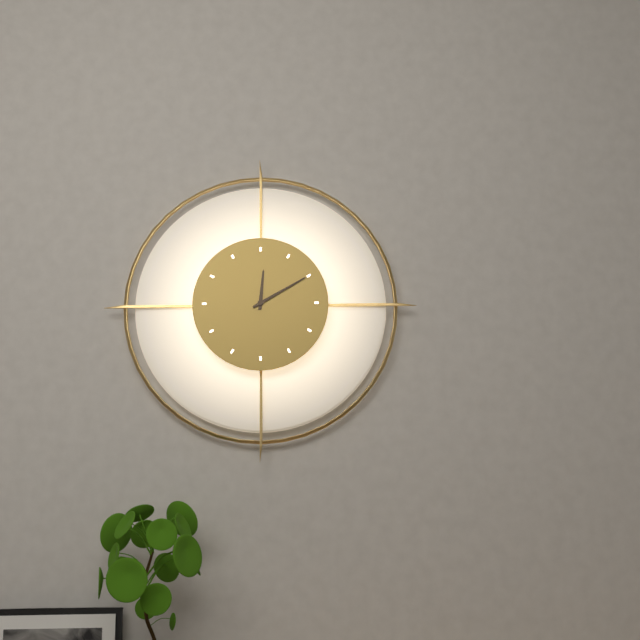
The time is 12,10
